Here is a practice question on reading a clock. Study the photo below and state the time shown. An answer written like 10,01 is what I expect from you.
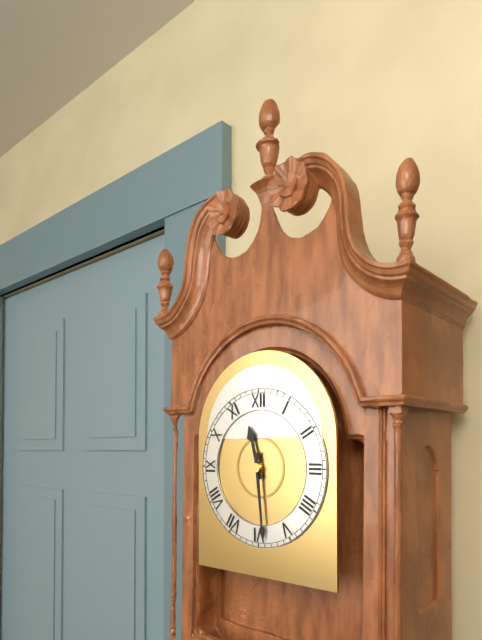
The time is 11,29
